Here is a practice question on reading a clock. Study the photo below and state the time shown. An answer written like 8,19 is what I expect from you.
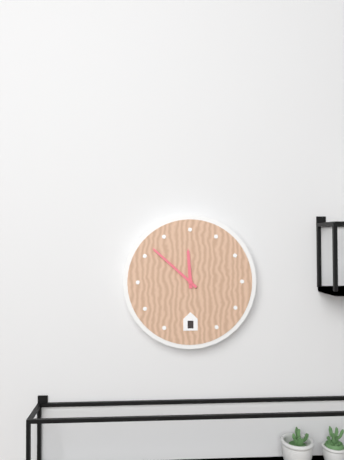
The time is 11,52
